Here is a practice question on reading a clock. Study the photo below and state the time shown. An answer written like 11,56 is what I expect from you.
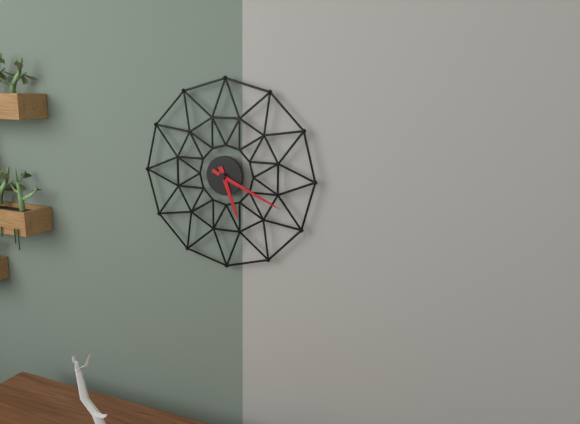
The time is 5,19
